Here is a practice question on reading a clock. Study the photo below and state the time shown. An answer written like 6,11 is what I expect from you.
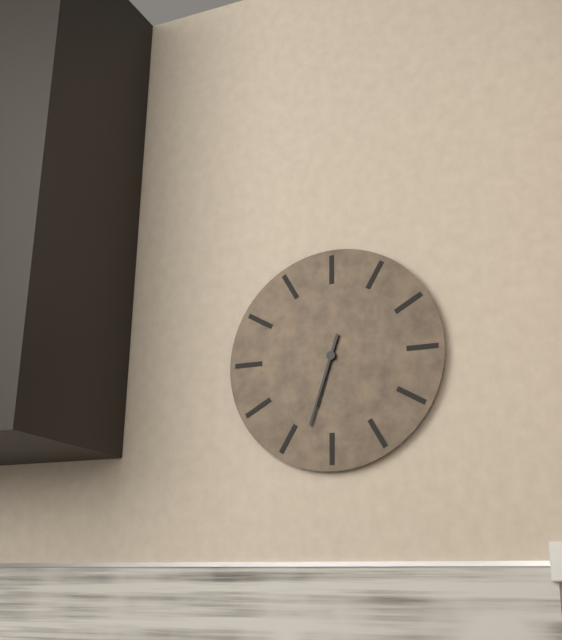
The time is 6,33
